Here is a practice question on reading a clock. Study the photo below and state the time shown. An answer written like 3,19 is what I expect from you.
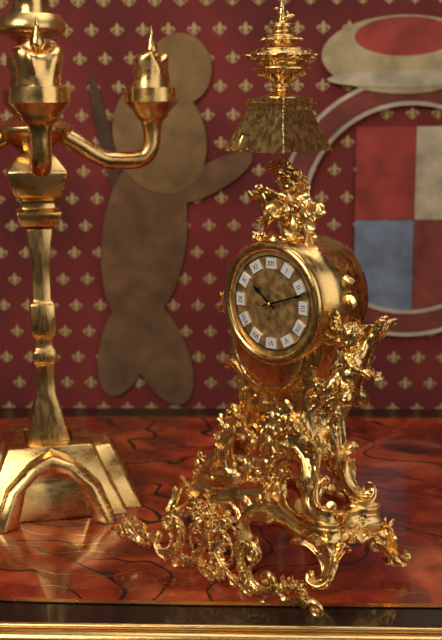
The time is 10,12
